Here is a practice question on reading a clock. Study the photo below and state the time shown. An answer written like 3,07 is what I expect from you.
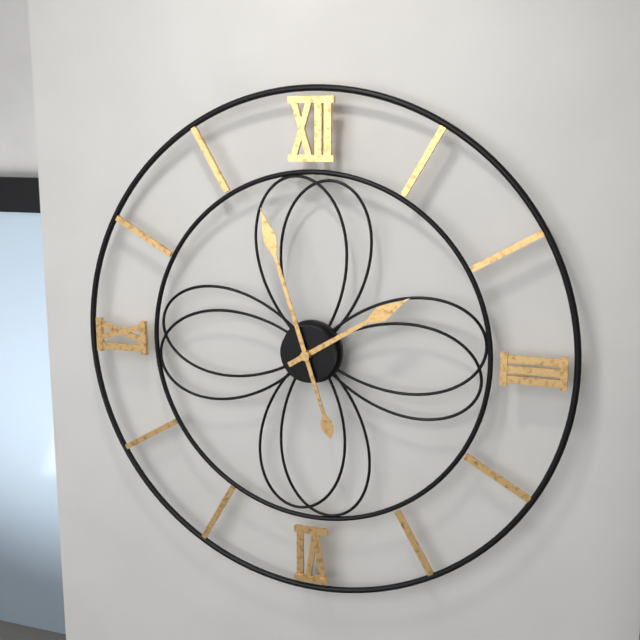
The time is 1,57
